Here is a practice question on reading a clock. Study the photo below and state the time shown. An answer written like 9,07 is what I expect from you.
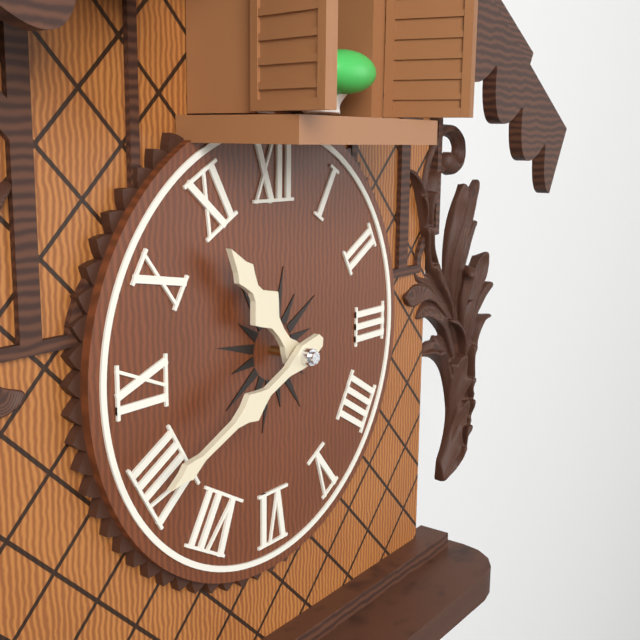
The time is 10,41
